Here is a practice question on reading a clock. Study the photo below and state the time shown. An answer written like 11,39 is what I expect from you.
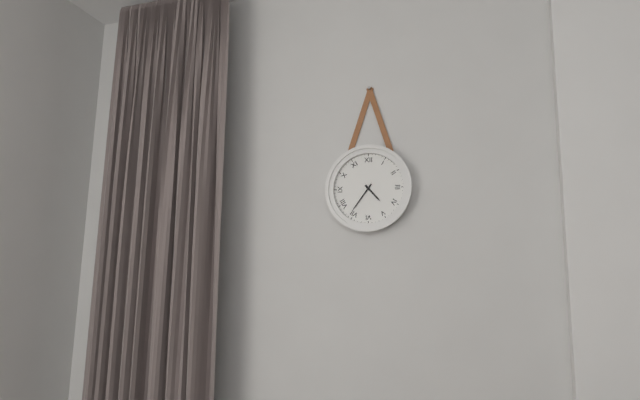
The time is 4,36
